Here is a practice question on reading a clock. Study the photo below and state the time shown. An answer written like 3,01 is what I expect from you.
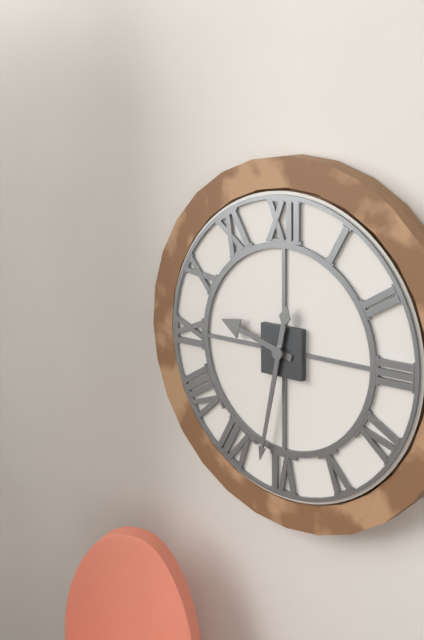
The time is 9,32
